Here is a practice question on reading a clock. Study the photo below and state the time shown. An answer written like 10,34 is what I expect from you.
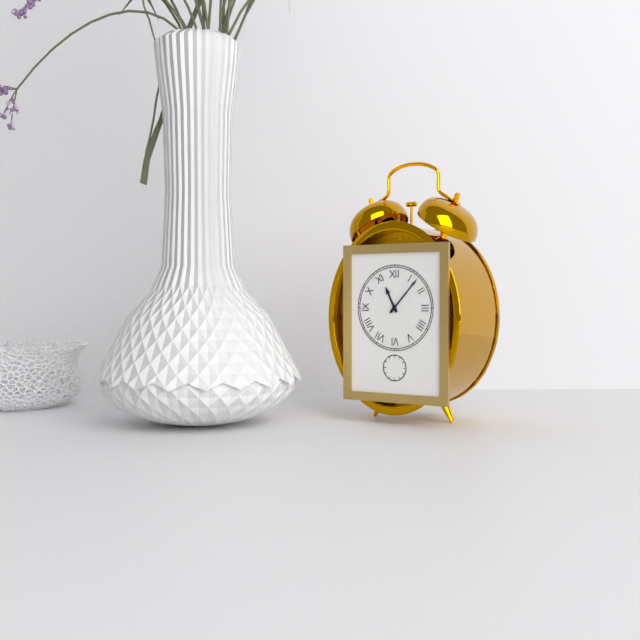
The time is 11,07
